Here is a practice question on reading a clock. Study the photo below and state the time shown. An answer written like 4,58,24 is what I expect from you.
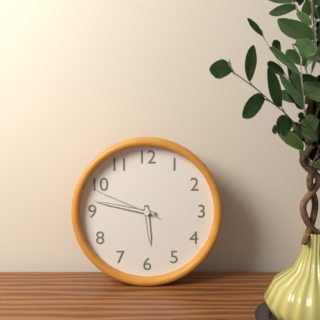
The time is 5,47,49
